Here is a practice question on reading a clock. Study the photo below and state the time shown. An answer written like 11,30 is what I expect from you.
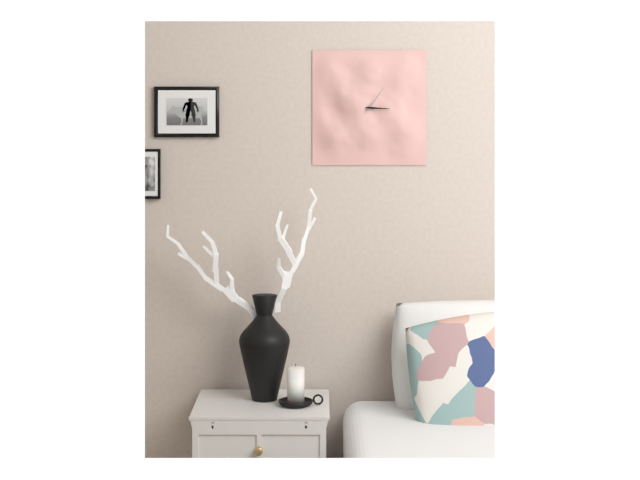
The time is 3,06
